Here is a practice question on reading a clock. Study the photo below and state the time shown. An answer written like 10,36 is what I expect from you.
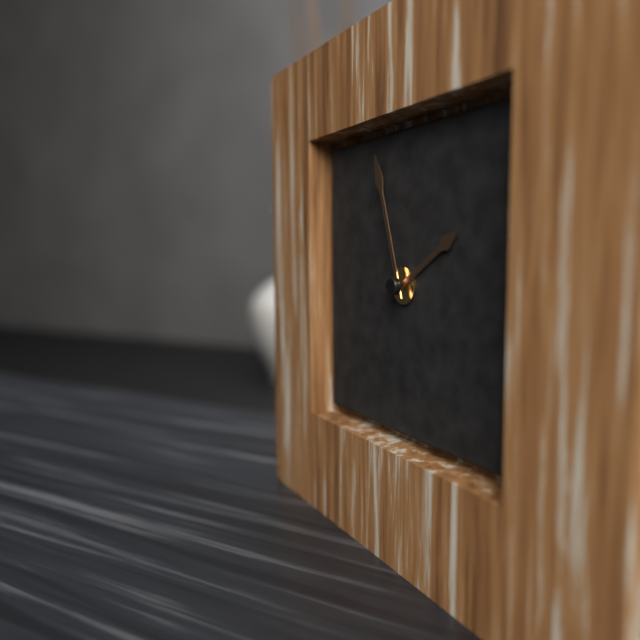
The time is 1,57
